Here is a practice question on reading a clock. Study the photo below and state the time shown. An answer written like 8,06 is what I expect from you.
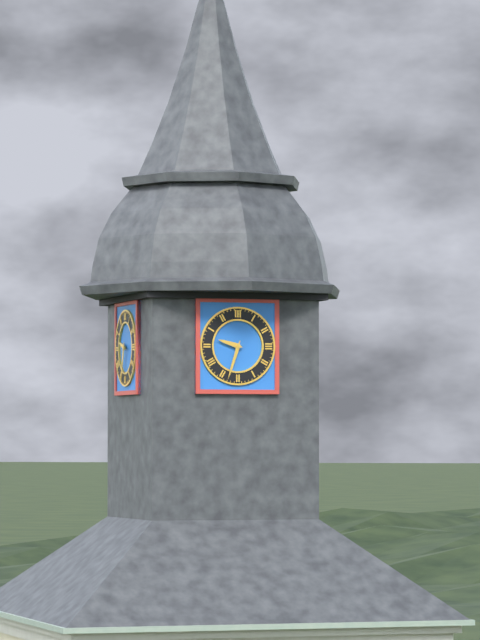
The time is 9,33
